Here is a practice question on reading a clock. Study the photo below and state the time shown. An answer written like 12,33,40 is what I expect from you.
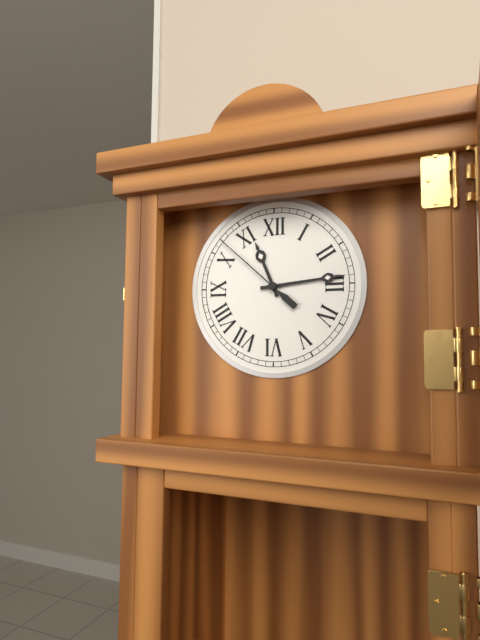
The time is 11,14,52
